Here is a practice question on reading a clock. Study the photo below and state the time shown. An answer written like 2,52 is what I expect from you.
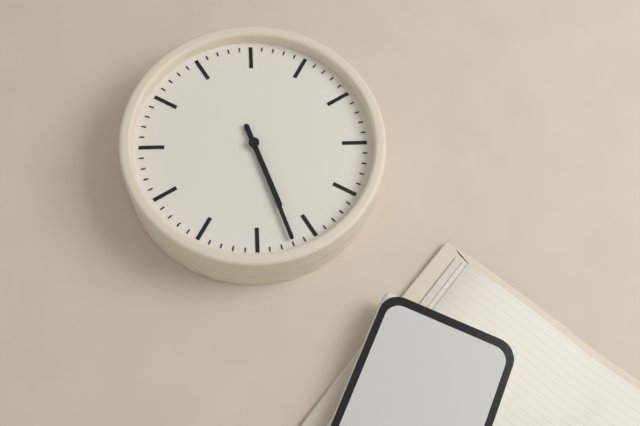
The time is 4,22
